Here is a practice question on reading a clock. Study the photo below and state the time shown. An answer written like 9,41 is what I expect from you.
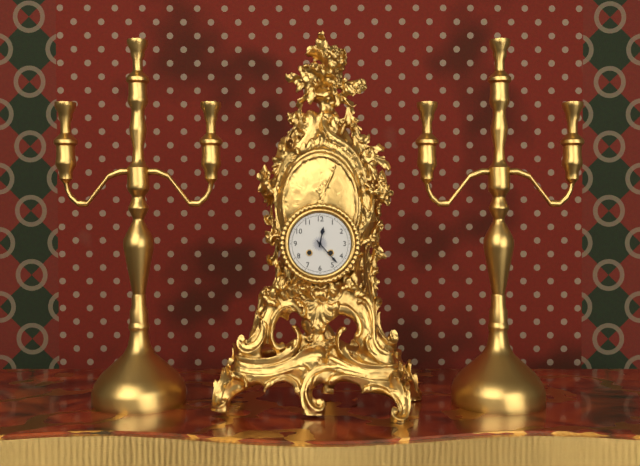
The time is 12,23
